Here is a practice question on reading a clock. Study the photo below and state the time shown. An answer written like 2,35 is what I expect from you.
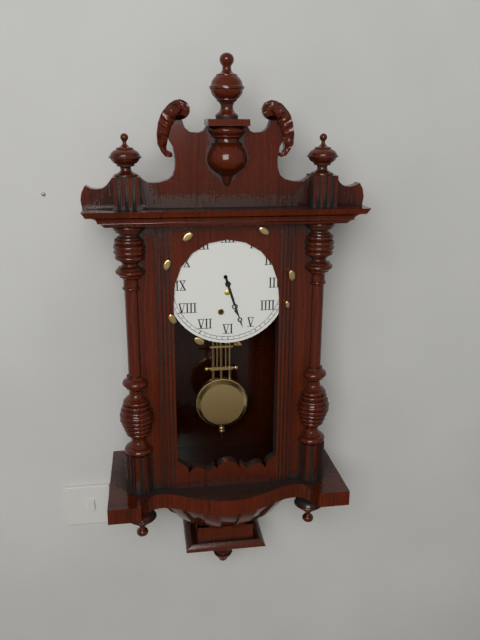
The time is 5,27
